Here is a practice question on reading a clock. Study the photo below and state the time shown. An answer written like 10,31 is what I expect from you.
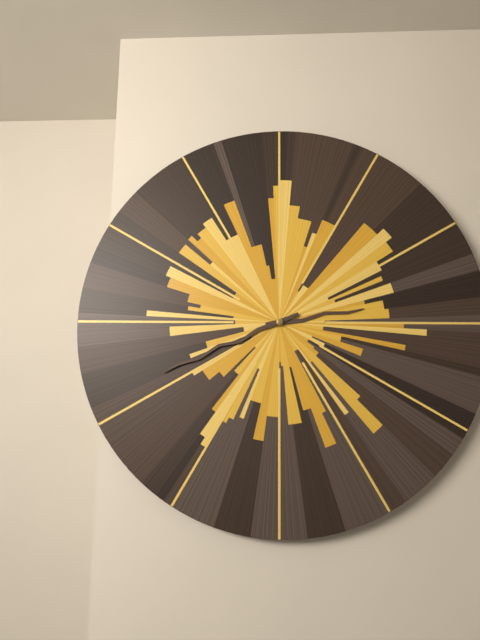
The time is 2,41
